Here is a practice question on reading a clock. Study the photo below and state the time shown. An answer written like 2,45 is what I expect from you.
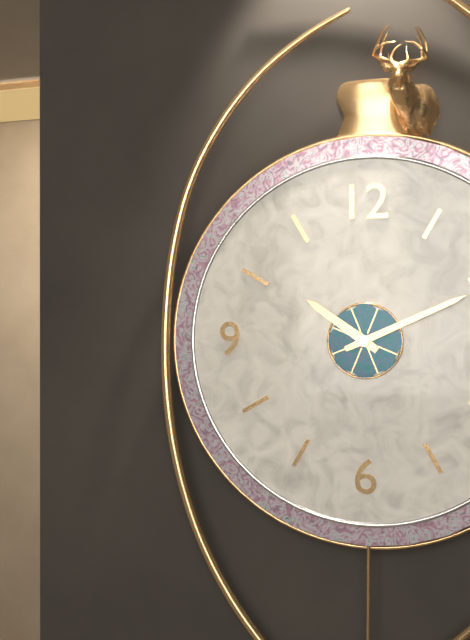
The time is 10,11
